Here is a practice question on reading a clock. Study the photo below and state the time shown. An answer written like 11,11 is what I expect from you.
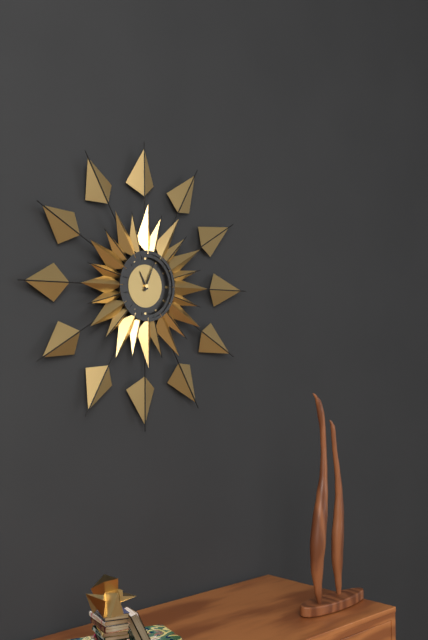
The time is 11,04
